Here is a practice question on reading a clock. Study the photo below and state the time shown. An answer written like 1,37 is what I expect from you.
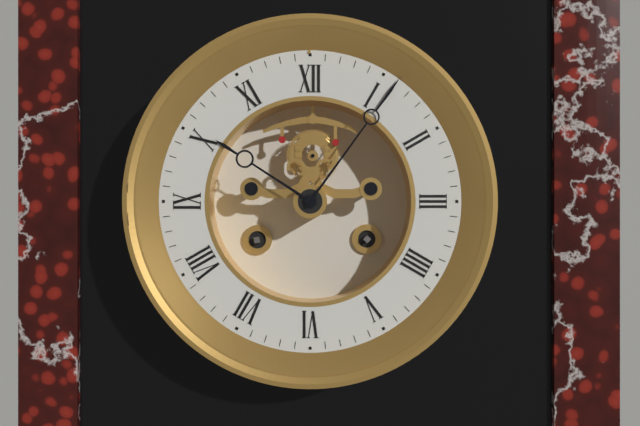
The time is 10,06
